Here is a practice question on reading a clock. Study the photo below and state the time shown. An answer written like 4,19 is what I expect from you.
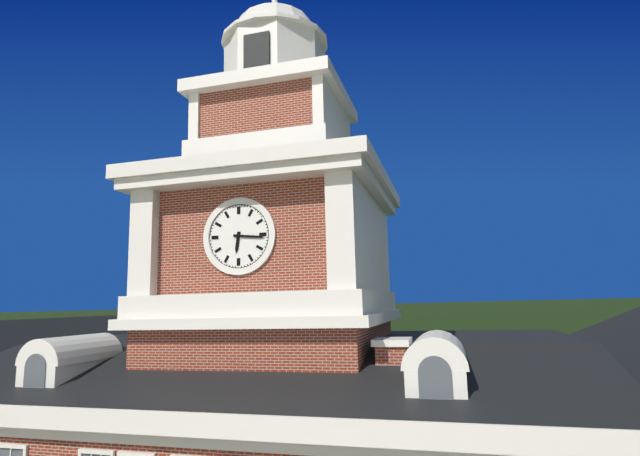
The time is 6,16
